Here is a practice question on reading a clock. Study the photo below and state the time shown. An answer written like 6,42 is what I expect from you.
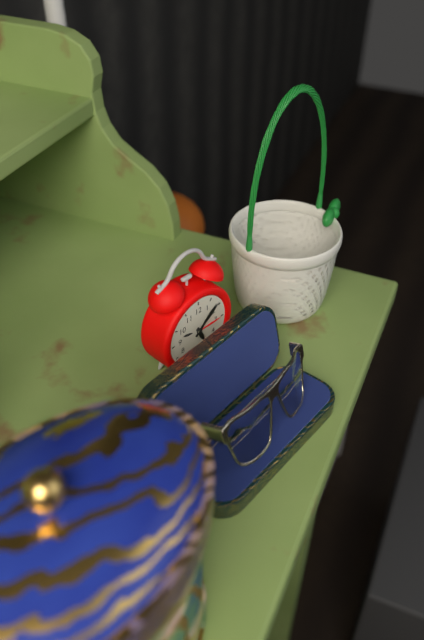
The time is 5,08
